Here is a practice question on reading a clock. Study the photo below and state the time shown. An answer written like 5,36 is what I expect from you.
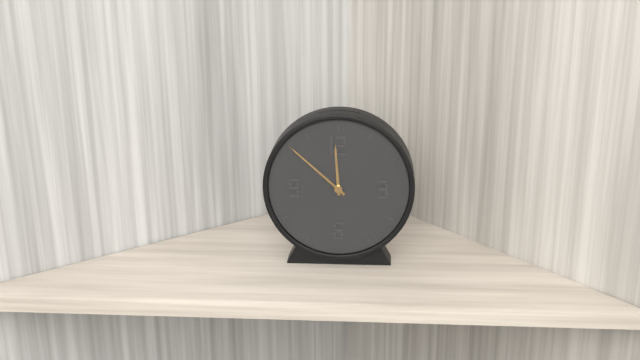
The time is 11,52
